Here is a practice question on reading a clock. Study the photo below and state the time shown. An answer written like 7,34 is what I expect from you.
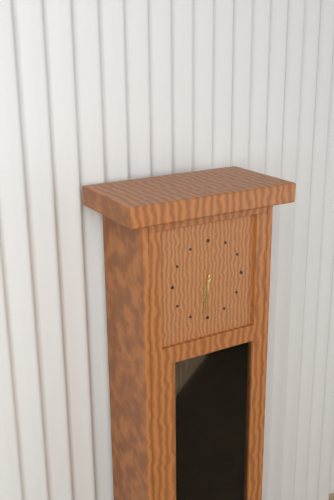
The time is 6,31
